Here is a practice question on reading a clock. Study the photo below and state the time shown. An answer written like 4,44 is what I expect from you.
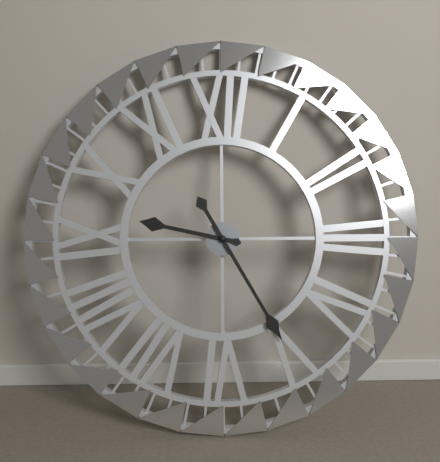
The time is 9,25
